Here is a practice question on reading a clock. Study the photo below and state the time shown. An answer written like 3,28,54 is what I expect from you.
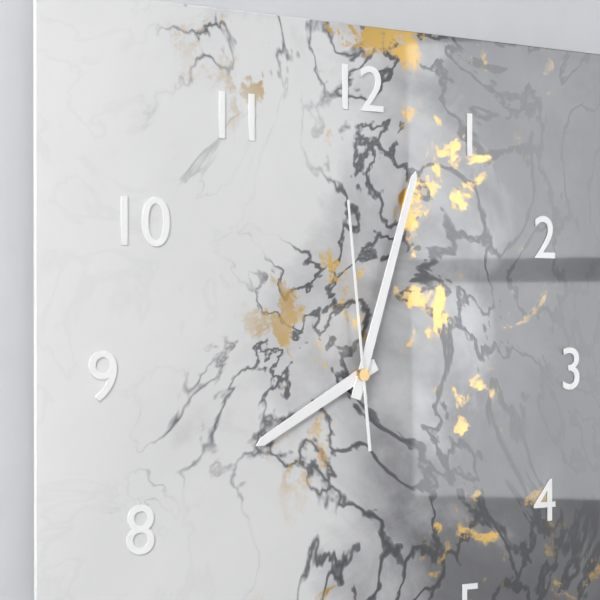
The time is 8,03,59
